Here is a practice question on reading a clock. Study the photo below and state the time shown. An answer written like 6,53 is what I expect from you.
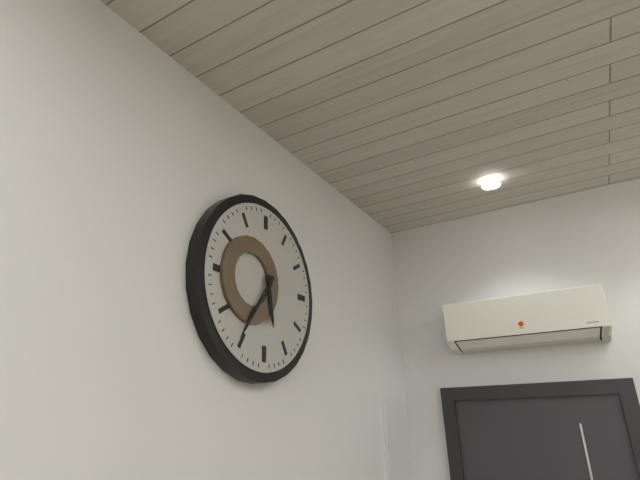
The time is 5,36
